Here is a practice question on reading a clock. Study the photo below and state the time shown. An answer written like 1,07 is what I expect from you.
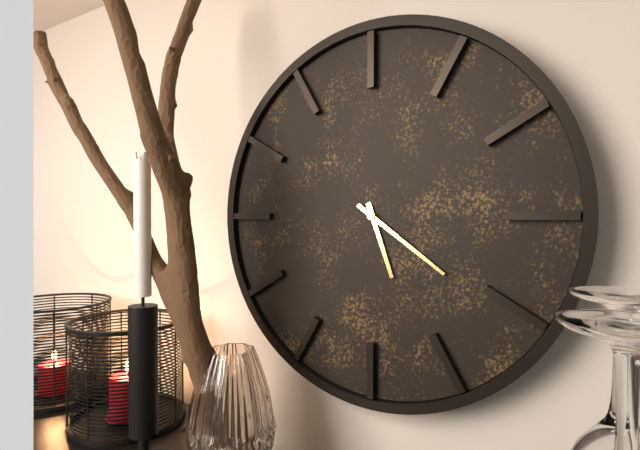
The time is 5,21
